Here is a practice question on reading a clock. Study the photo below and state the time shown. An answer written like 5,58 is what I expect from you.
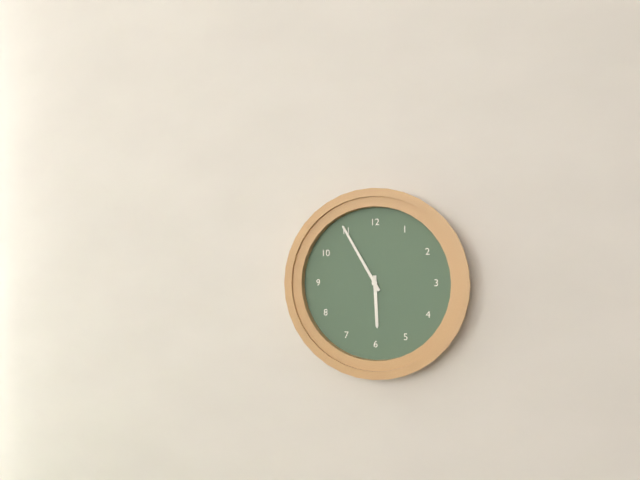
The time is 5,55
